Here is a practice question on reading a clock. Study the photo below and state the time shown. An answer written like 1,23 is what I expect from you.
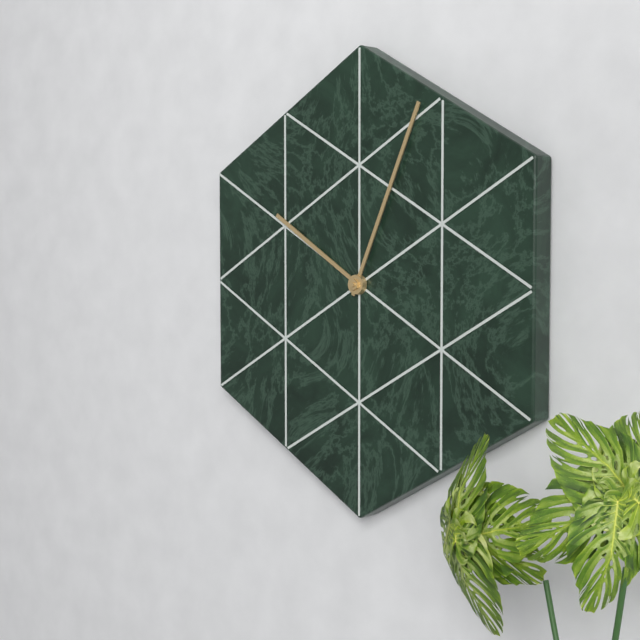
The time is 10,04
